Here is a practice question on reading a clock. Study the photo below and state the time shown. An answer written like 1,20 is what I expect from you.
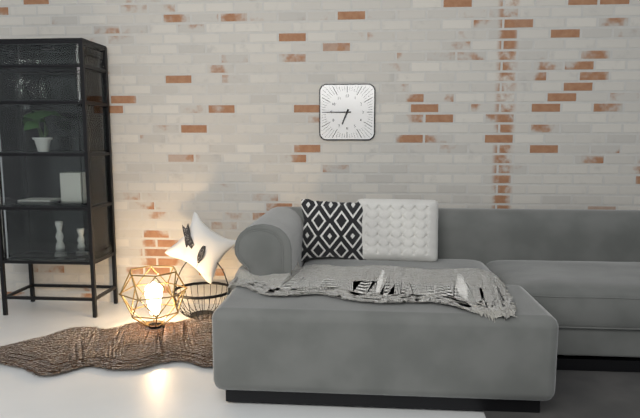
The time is 6,45
